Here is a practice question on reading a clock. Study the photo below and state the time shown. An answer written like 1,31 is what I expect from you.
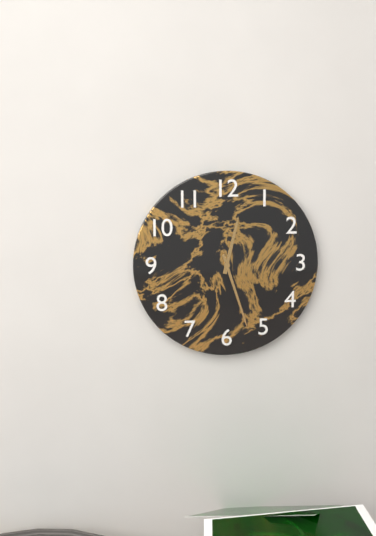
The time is 12,27
